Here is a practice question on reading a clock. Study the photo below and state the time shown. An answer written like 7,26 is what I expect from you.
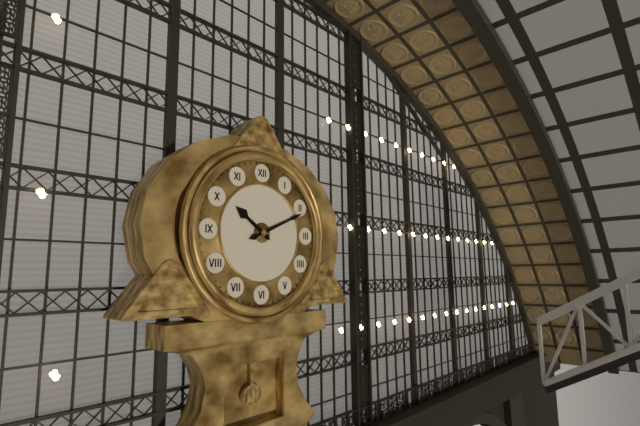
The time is 10,11
